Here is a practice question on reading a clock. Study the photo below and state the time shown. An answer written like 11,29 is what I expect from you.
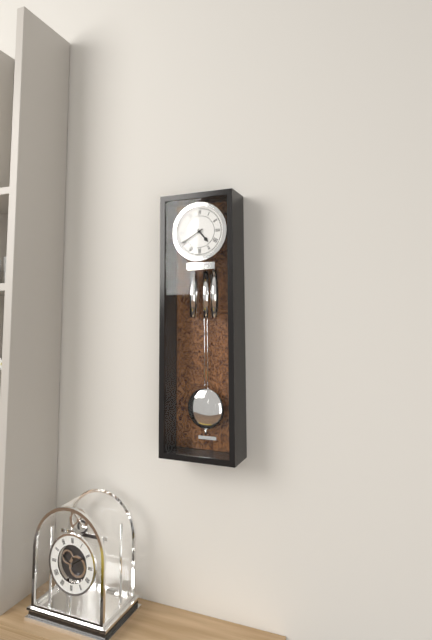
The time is 4,40
